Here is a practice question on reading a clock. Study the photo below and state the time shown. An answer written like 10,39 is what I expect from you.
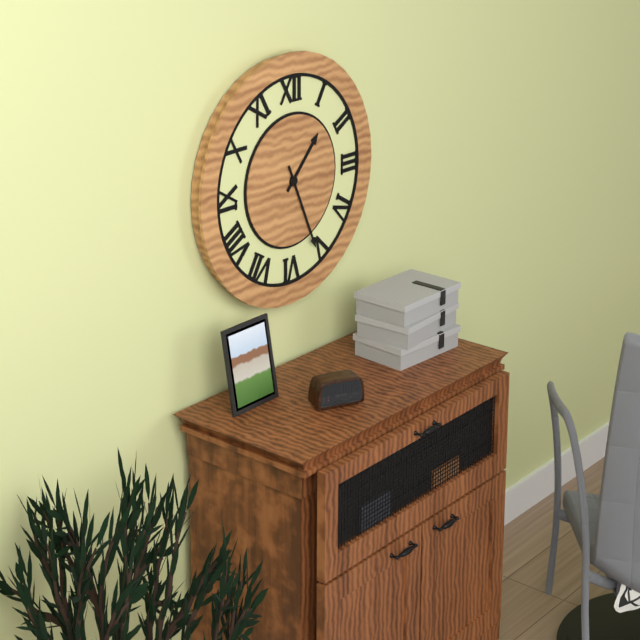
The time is 1,26
